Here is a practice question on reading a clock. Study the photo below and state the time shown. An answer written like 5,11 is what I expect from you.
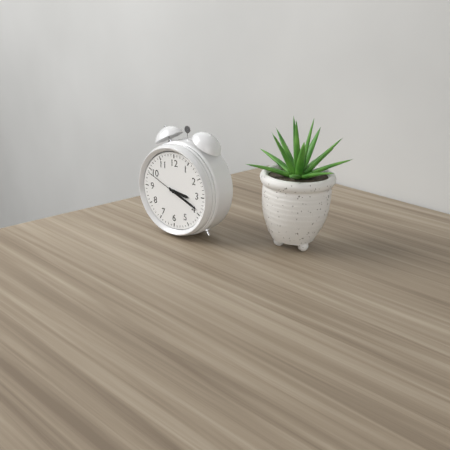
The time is 3,19
